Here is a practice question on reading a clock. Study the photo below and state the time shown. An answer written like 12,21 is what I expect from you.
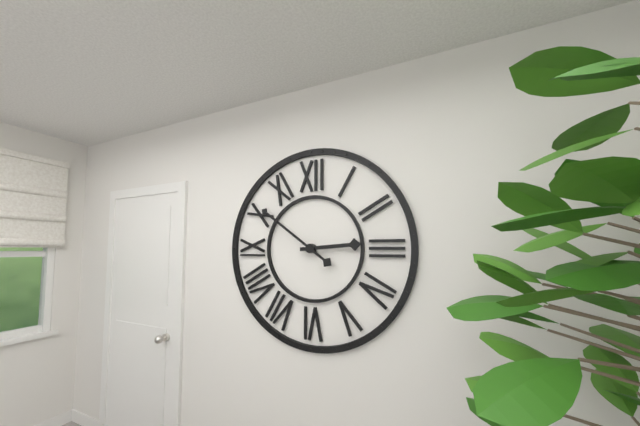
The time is 2,51
